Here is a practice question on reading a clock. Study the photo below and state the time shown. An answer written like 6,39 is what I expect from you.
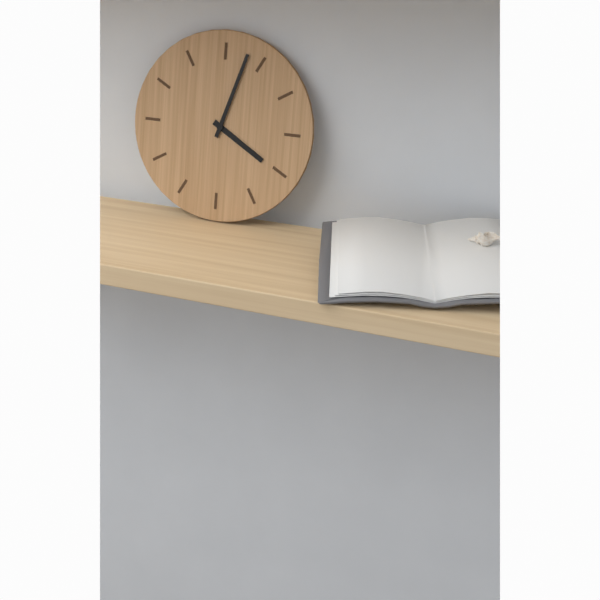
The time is 4,03
